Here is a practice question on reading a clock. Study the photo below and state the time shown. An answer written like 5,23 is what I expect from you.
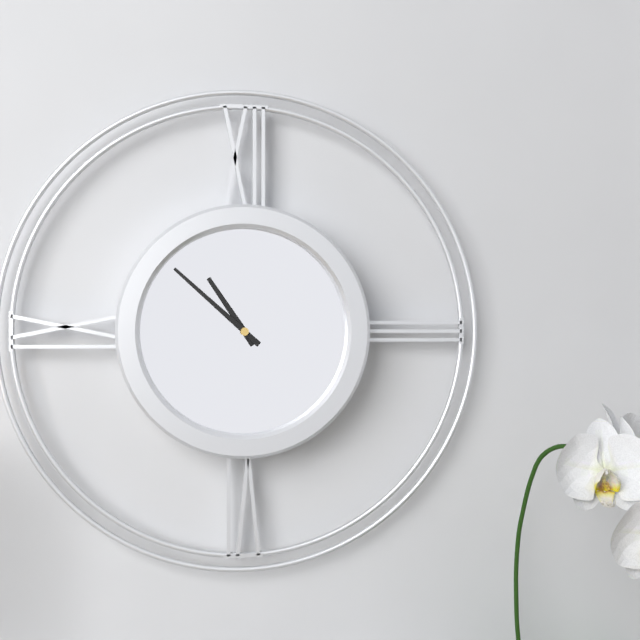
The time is 10,52
